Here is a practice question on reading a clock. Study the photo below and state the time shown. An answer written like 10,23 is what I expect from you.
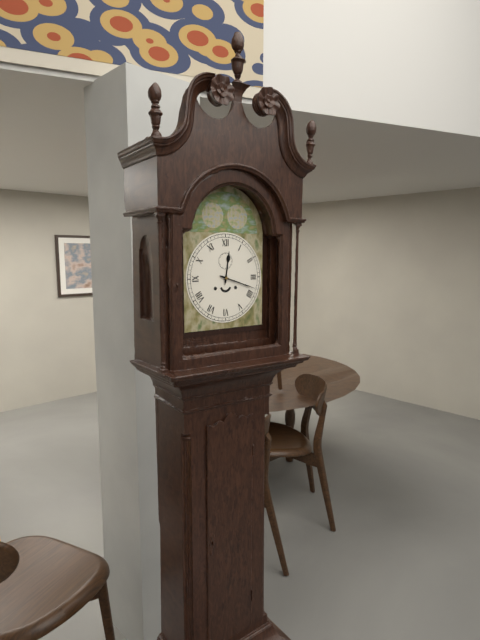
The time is 12,18
